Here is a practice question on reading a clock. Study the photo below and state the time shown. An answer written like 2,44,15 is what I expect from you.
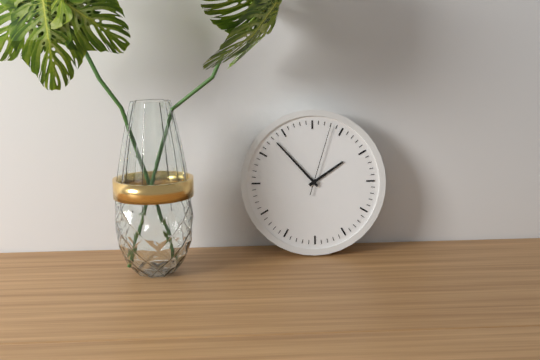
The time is 1,53,03
